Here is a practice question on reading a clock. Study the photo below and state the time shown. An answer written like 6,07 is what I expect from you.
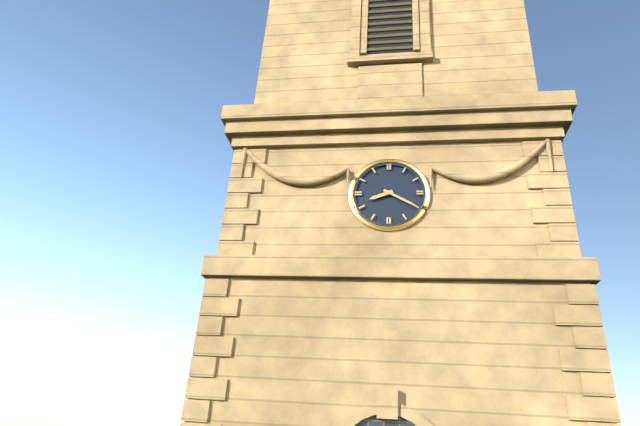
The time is 8,20
